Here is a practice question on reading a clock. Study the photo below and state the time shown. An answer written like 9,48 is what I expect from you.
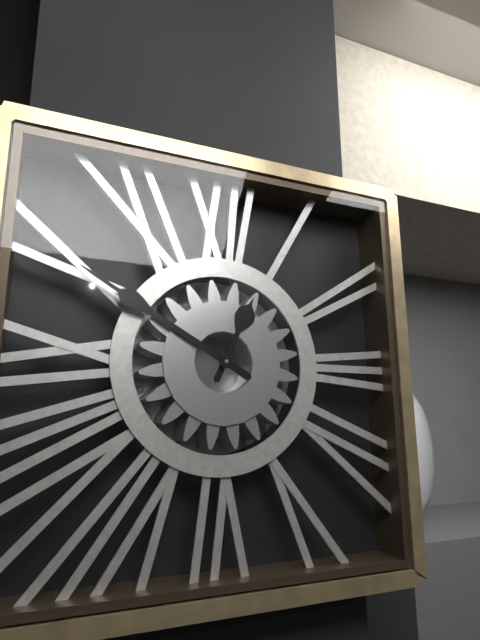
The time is 12,50
